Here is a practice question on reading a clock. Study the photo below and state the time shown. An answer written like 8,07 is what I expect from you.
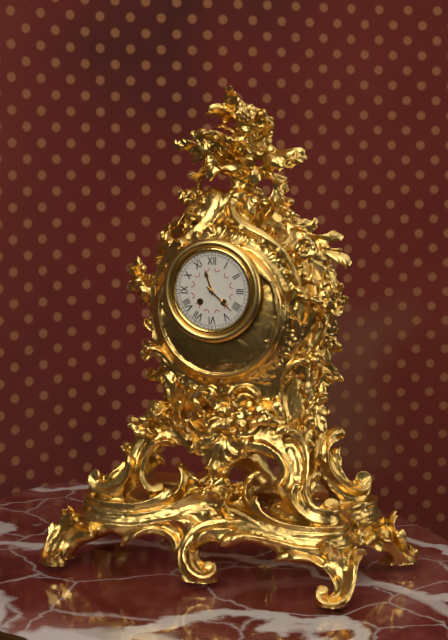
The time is 11,22
